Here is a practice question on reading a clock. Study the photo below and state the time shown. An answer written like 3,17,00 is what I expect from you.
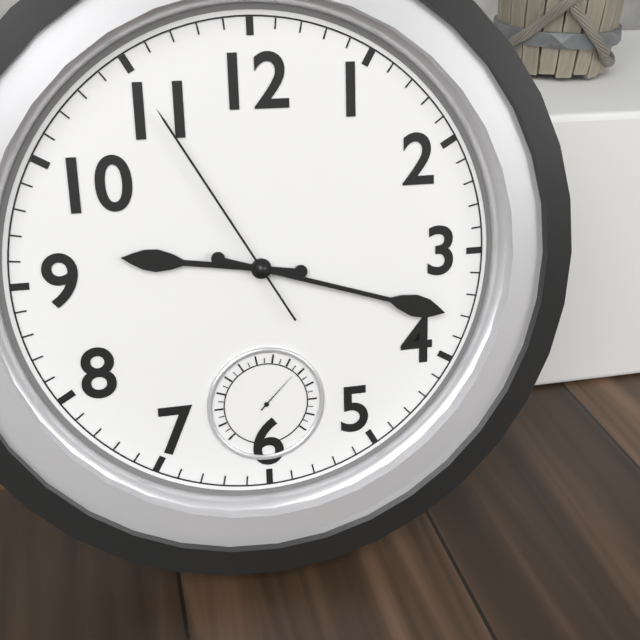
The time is 9,18,55
